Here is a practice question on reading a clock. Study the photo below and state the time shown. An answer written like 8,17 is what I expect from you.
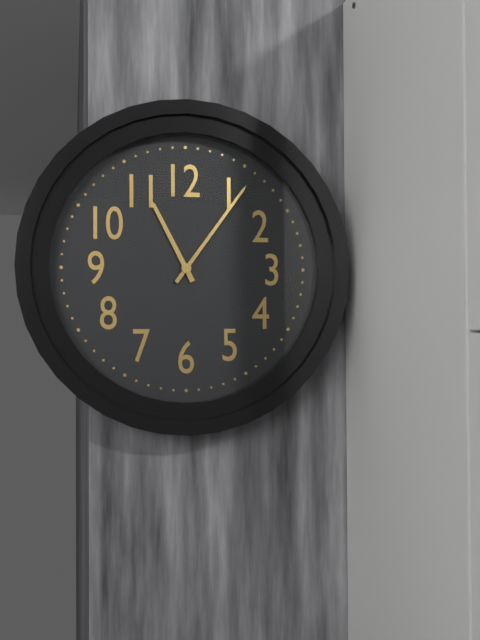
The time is 11,06
